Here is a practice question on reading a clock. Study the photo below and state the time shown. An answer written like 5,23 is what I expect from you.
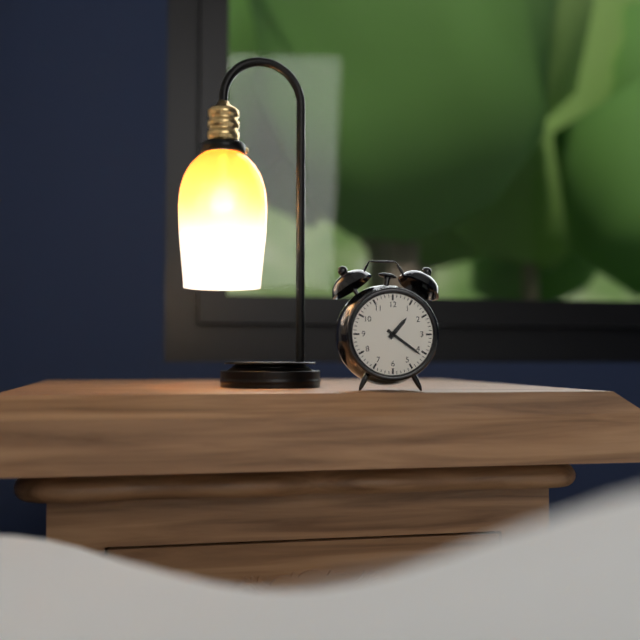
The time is 1,21
